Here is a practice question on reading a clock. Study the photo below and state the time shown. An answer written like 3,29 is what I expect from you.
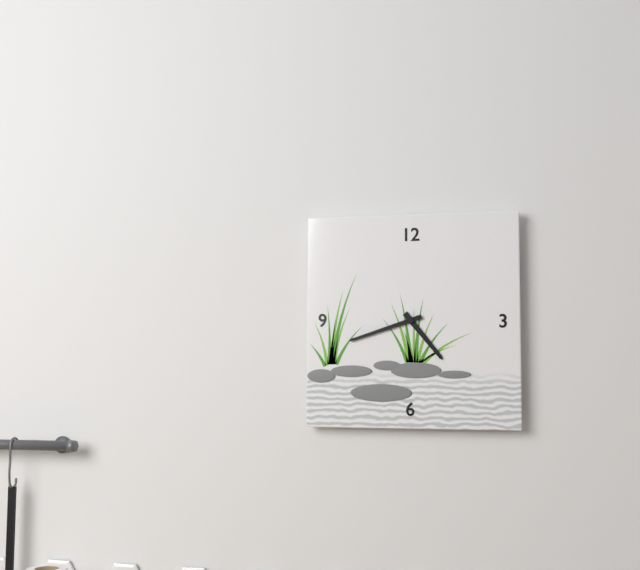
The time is 4,42
